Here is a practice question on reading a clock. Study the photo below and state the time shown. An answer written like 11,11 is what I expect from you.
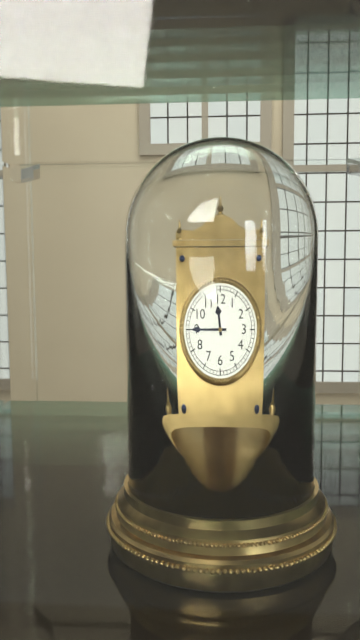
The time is 11,45
